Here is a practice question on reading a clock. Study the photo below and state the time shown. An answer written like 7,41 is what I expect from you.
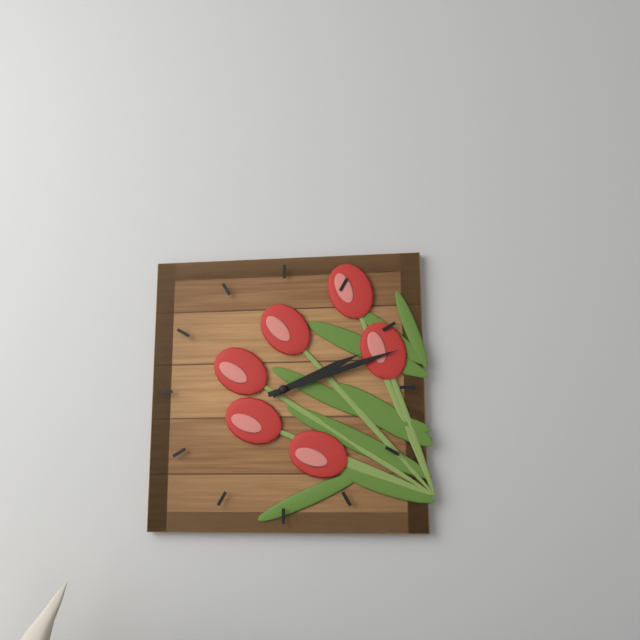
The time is 2,12
